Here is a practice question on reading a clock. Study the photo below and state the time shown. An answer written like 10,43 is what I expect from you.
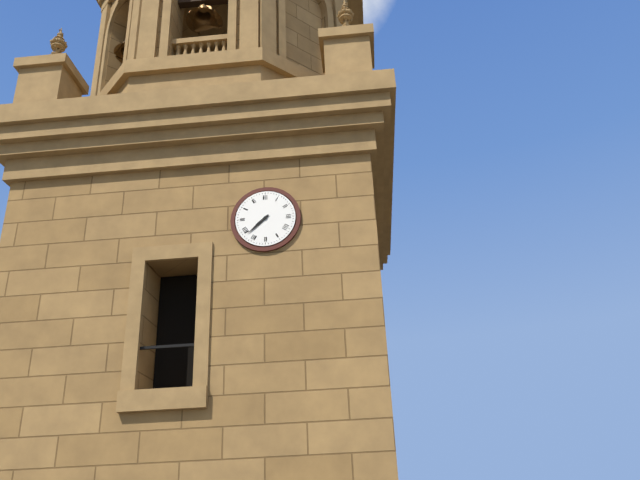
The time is 7,38
